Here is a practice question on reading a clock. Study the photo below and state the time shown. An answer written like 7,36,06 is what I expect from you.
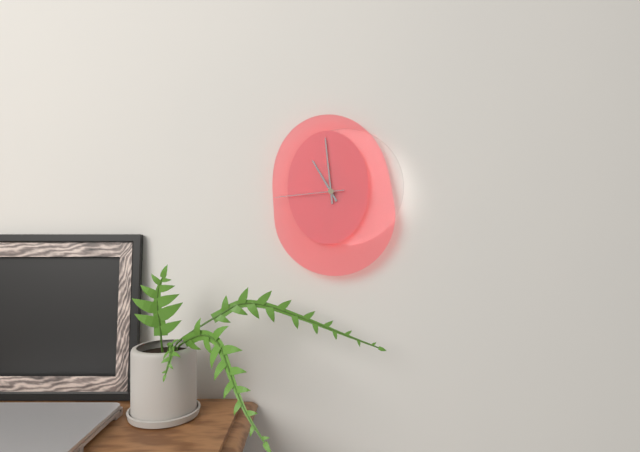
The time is 10,59,44
